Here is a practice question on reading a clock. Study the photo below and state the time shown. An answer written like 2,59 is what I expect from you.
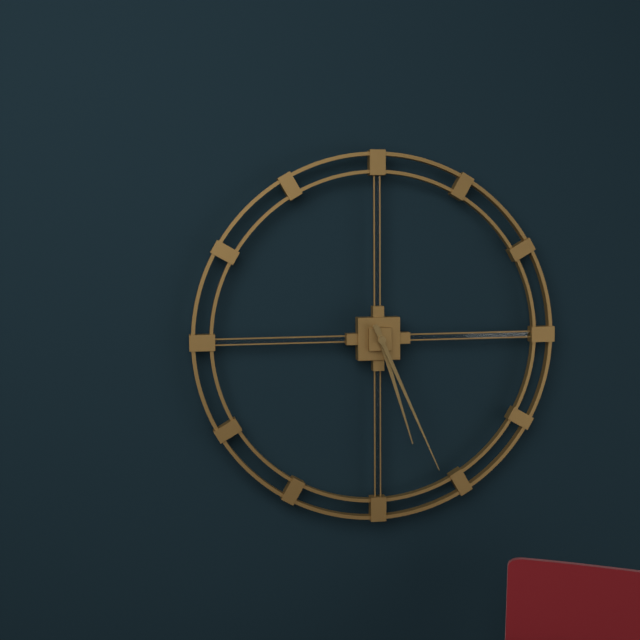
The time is 5,26
